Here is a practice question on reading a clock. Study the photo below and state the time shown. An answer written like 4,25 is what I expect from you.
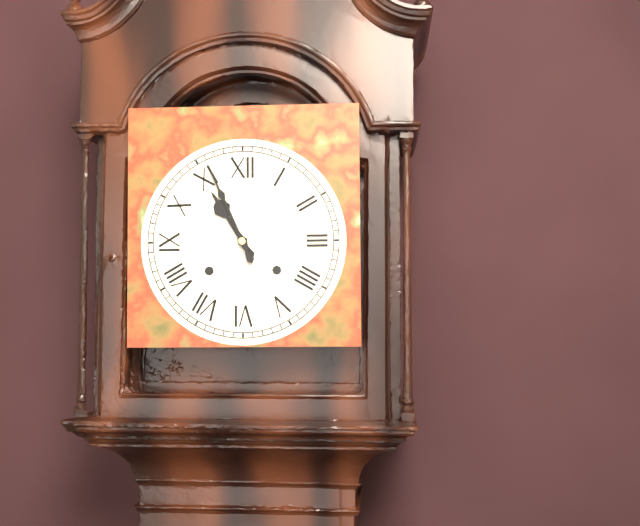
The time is 10,56
